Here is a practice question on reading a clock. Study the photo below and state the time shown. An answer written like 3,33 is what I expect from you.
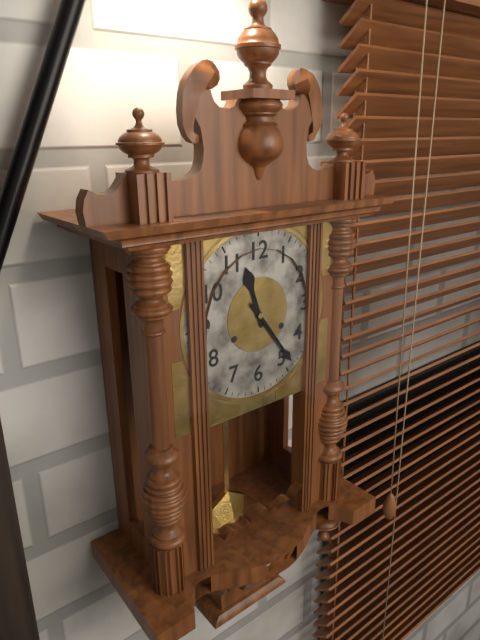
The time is 11,24
